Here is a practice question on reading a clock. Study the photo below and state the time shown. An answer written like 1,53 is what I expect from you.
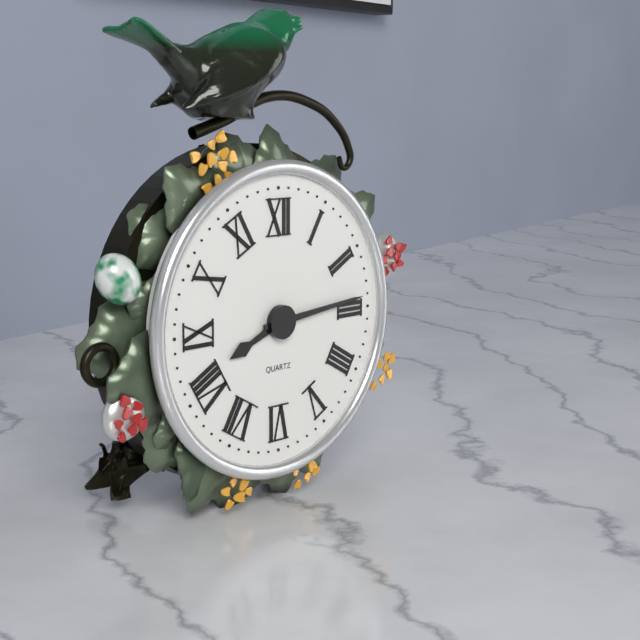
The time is 8,14
